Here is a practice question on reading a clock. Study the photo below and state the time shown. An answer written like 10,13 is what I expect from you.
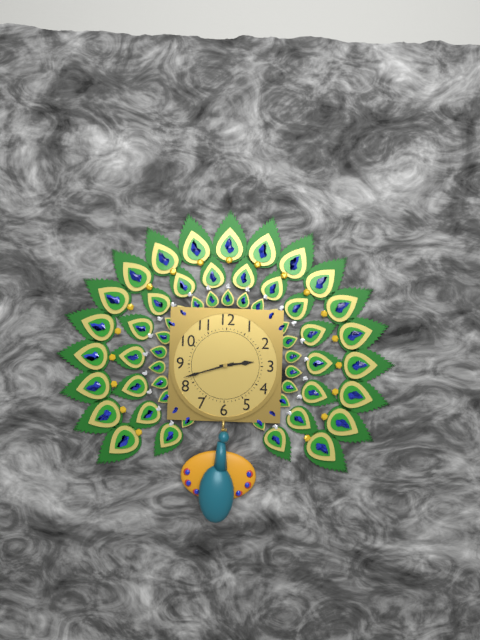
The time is 2,42
